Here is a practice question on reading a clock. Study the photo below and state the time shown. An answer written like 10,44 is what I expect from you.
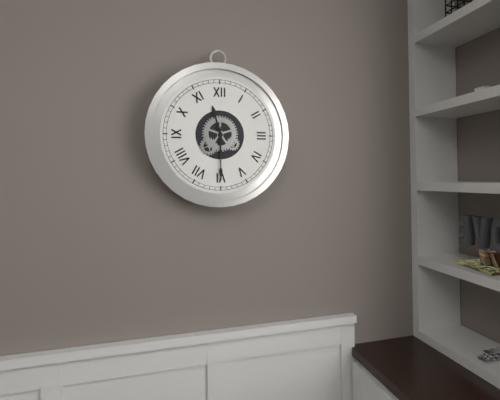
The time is 11,30
